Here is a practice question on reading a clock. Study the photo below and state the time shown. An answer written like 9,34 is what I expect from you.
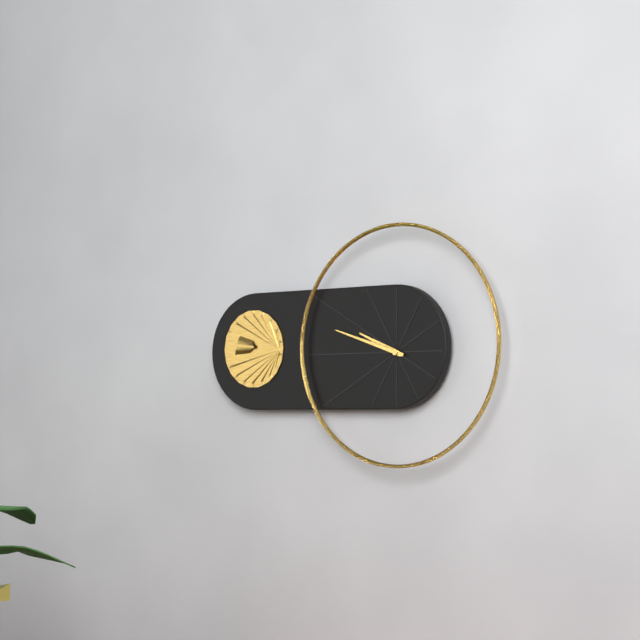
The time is 9,48
